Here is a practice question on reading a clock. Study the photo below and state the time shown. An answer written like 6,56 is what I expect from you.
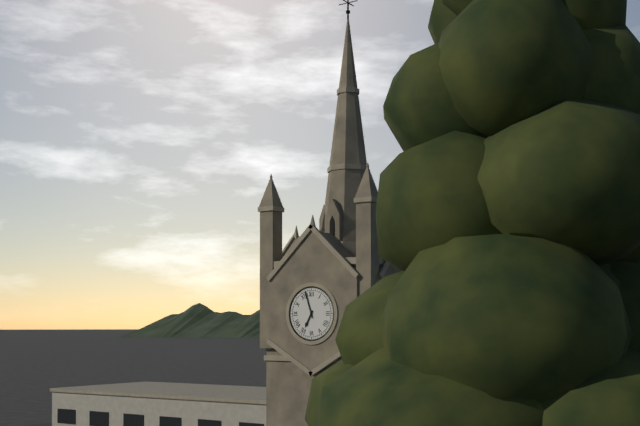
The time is 6,57
